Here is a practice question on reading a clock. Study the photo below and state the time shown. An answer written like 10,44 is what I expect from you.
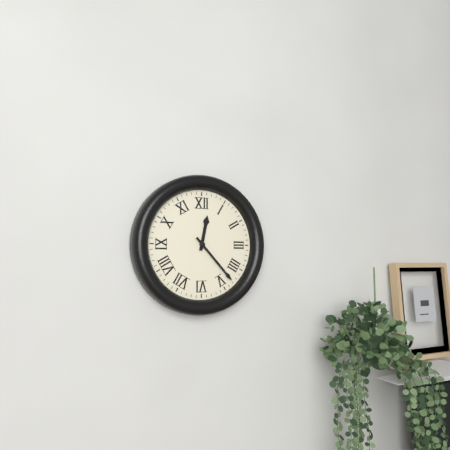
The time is 12,23
